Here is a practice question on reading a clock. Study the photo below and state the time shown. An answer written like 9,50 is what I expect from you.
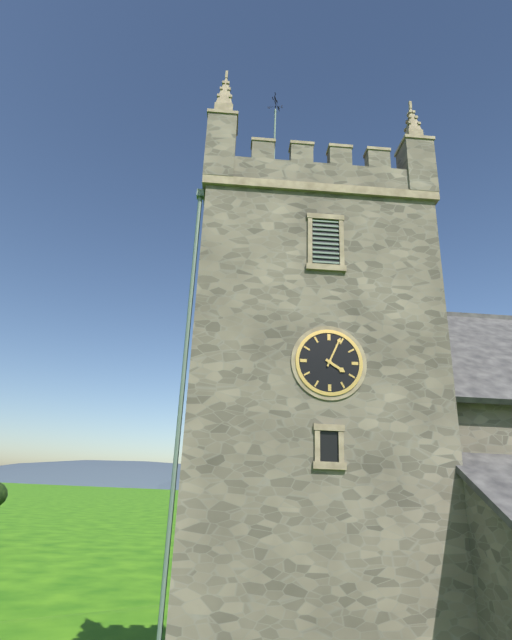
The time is 4,04
